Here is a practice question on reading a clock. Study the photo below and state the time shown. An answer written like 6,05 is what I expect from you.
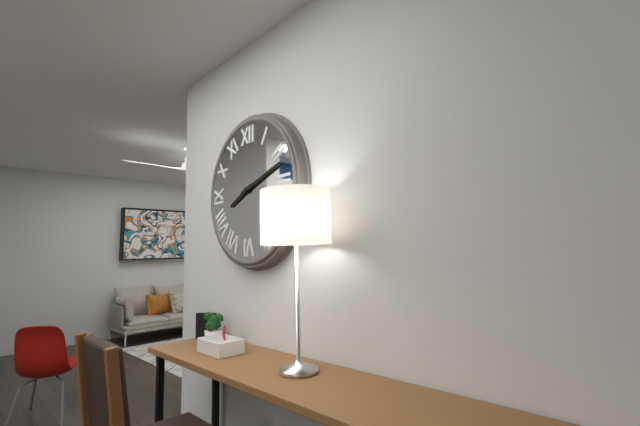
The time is 8,12
